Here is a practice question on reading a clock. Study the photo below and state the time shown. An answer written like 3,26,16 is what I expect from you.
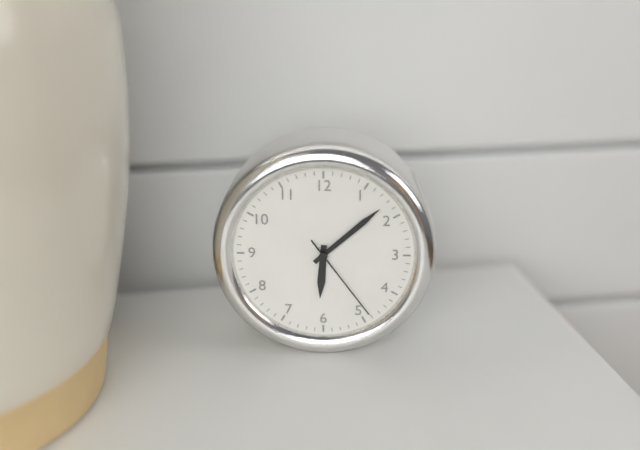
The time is 6,08,24
